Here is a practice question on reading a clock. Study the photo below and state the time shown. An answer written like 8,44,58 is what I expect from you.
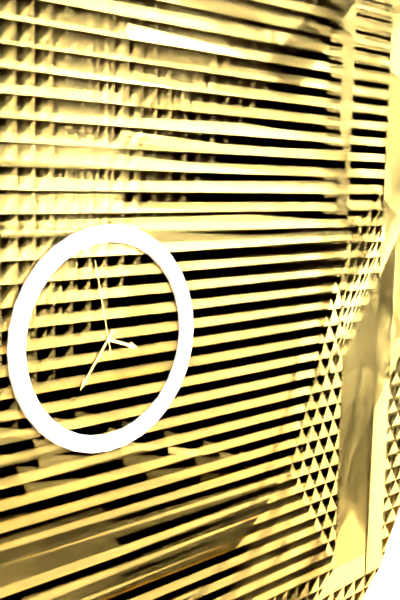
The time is 3,36,58
